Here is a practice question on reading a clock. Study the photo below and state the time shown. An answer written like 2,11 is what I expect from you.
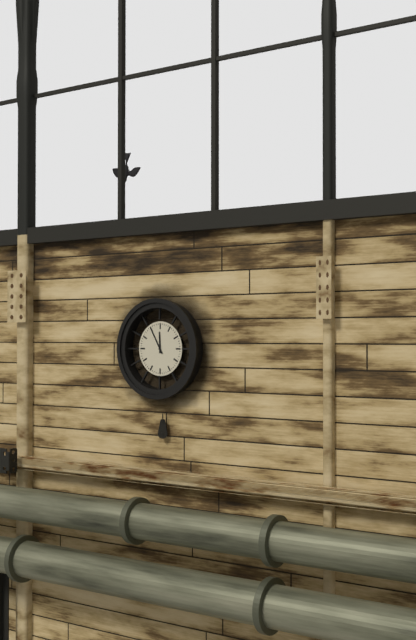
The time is 11,55
